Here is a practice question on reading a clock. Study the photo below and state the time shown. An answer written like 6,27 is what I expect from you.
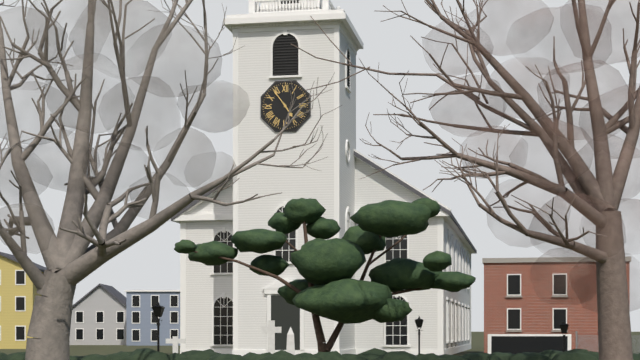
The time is 4,54
